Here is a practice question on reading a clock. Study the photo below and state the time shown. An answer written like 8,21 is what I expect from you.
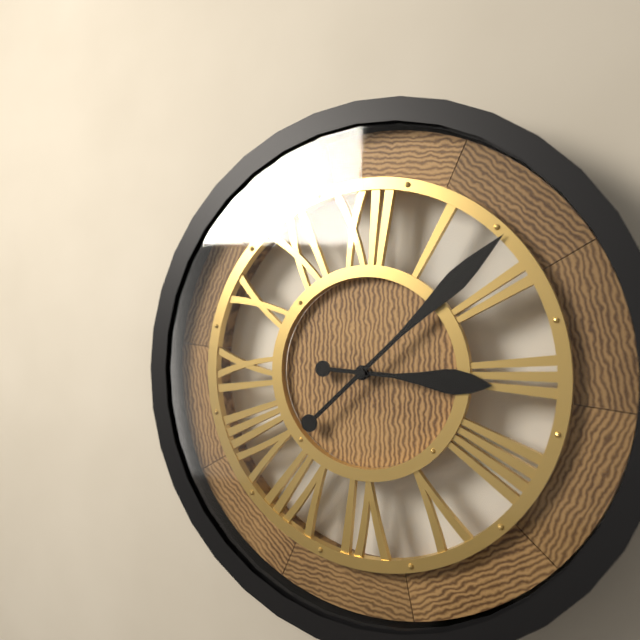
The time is 3,08
